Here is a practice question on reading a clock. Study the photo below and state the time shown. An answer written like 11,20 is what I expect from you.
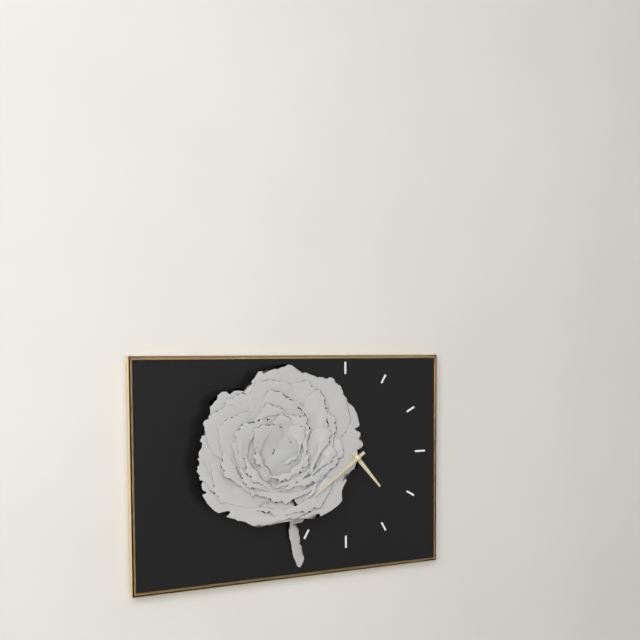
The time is 4,39
